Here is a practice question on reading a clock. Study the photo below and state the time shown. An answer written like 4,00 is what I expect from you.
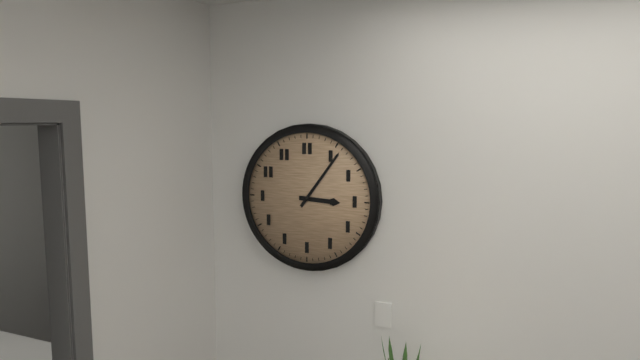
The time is 3,06
